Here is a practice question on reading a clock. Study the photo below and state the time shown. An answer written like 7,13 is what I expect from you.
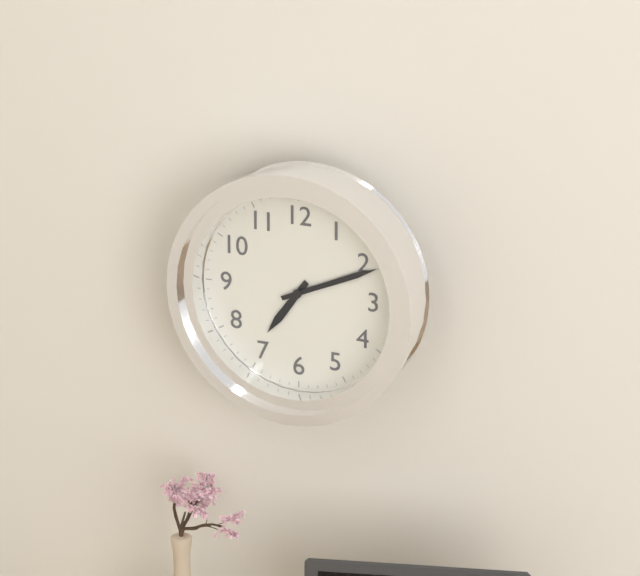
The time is 7,11
